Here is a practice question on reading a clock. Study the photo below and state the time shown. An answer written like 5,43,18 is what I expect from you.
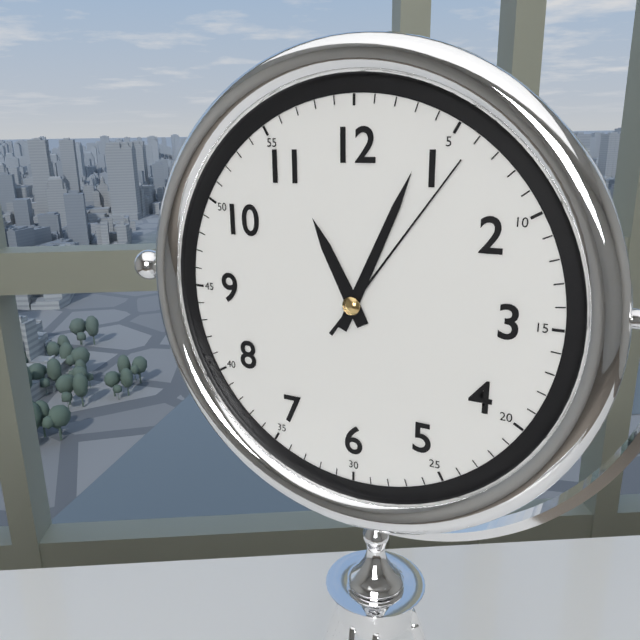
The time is 11,04,06
